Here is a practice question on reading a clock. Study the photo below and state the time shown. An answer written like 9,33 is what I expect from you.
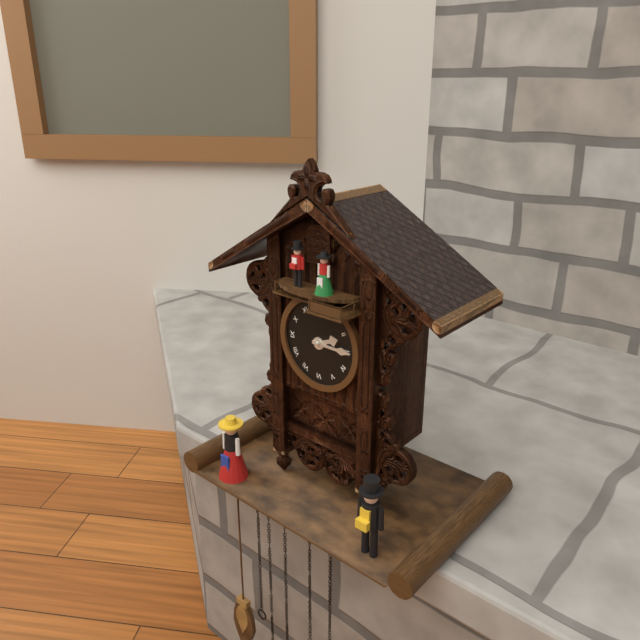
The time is 2,15
